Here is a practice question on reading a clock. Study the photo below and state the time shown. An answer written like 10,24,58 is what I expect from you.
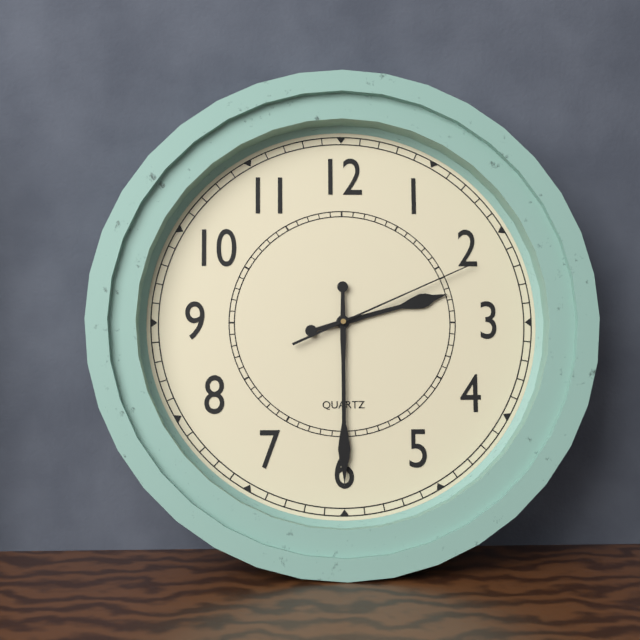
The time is 2,30,11
